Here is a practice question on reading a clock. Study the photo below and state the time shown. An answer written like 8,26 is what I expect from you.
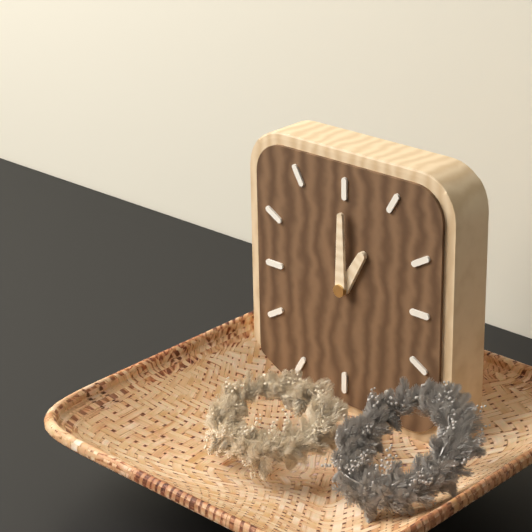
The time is 1,00
